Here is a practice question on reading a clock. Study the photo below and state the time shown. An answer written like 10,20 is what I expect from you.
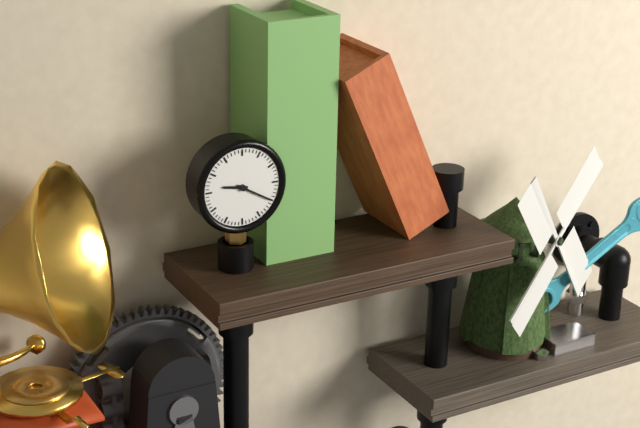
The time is 9,20
